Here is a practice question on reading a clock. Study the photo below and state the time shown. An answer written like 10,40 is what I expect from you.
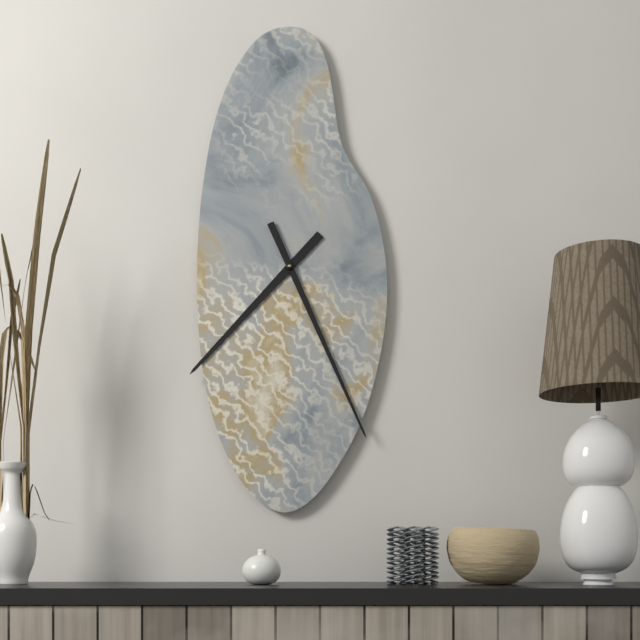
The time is 7,26
